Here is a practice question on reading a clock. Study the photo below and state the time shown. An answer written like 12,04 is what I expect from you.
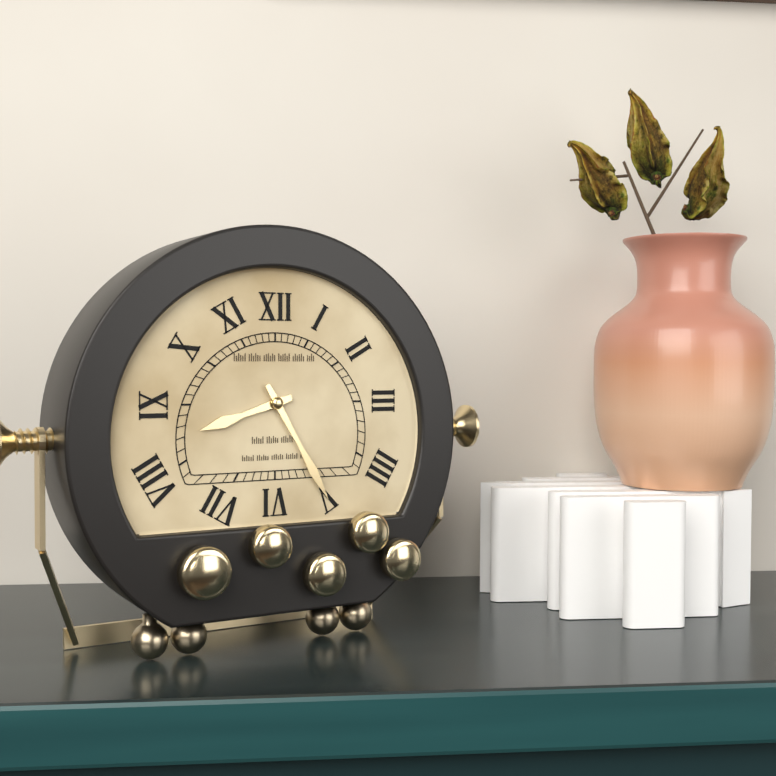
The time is 8,25
